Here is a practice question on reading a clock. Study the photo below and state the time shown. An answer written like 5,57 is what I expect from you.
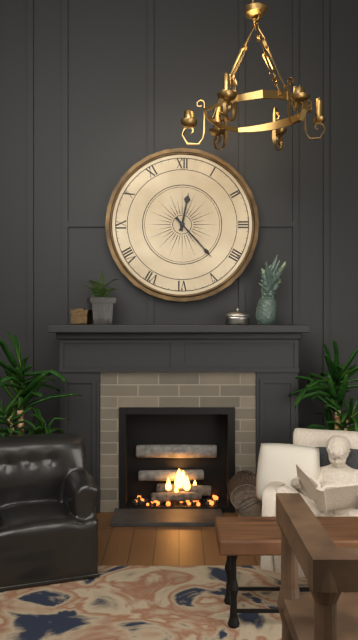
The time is 12,23
